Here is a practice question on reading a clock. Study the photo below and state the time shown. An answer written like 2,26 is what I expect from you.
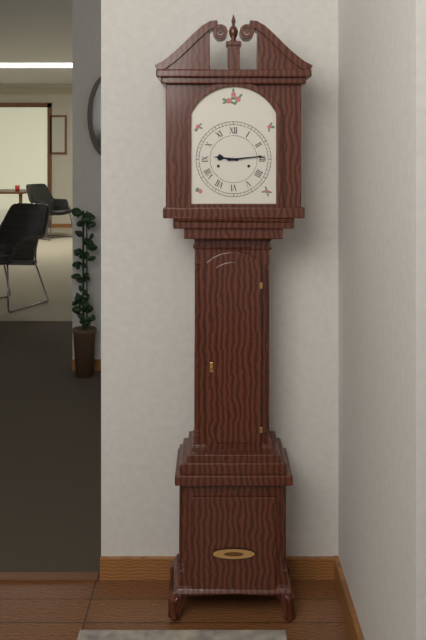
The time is 9,14
